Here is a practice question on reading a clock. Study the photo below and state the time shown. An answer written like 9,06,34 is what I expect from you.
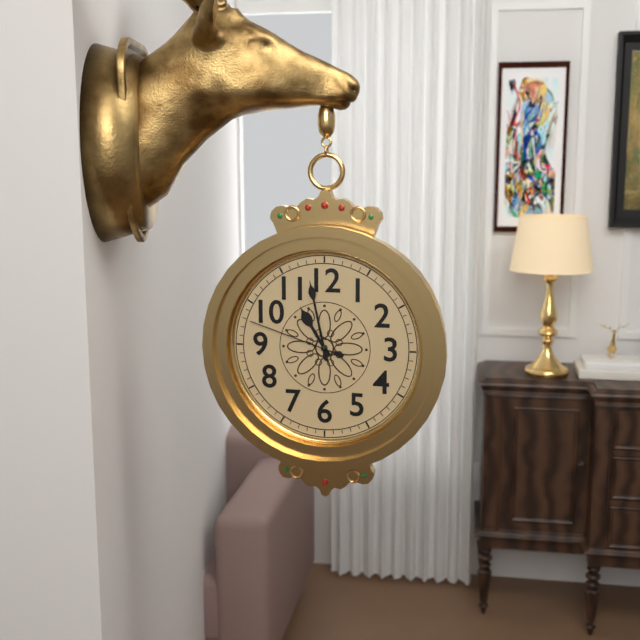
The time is 10,58,48
